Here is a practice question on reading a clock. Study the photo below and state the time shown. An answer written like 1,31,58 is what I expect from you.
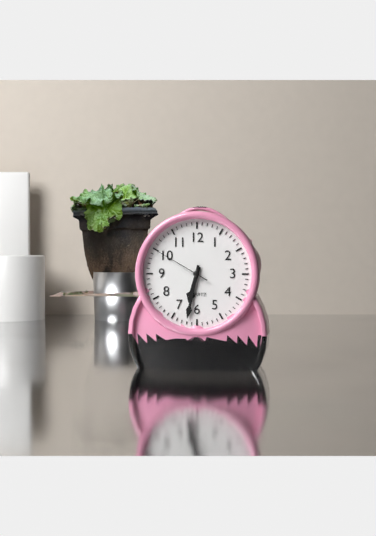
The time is 6,32,50
